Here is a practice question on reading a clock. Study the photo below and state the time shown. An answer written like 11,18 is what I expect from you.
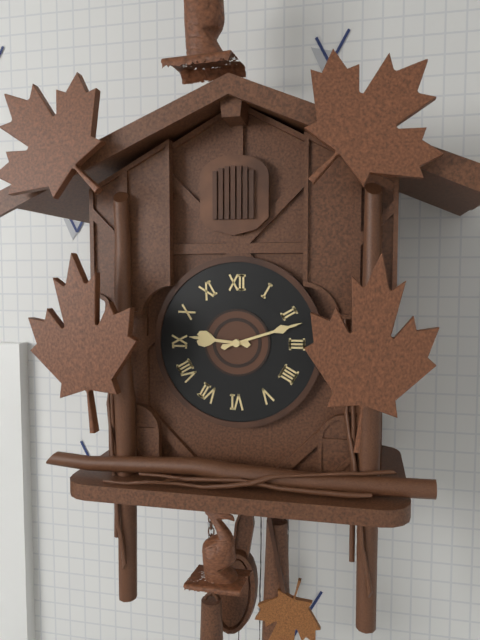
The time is 9,12
